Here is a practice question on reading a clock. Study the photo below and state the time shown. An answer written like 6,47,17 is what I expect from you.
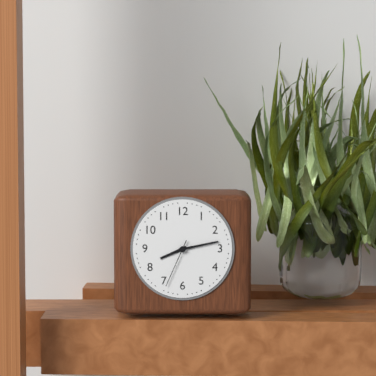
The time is 8,13,34
